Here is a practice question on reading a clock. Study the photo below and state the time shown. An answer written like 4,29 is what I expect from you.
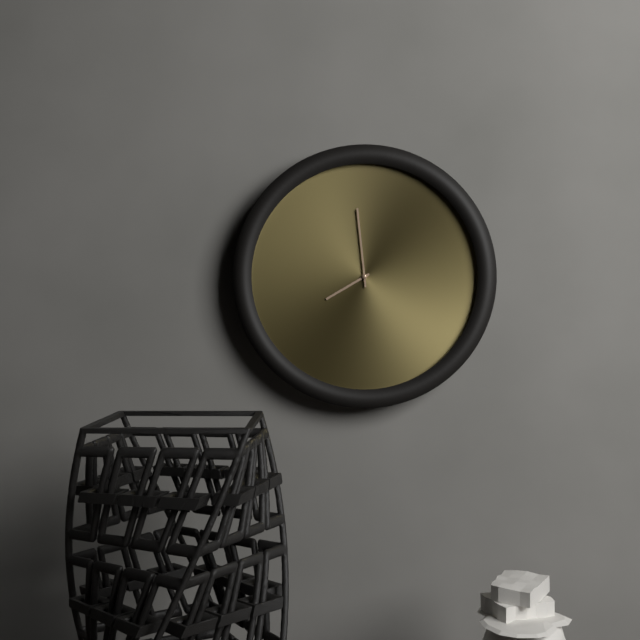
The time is 7,59
